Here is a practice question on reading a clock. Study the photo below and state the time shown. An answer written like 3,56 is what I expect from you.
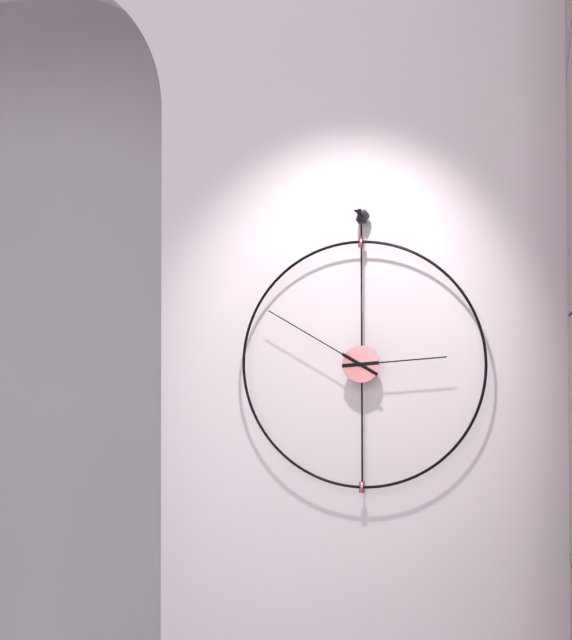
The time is 2,50
